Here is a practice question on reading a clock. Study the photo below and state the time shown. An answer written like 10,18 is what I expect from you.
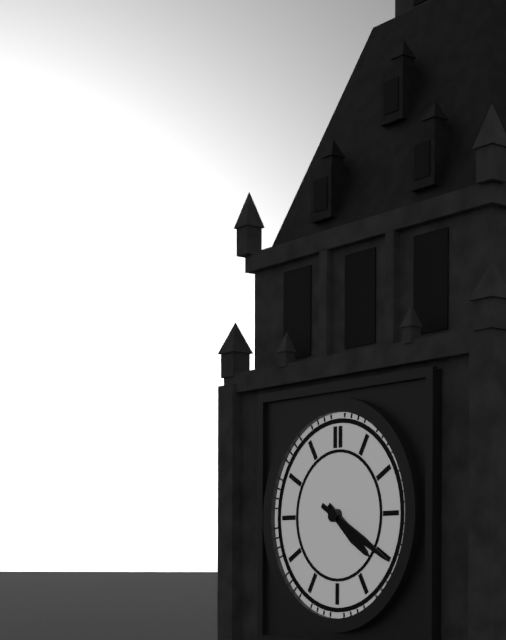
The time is 4,20
